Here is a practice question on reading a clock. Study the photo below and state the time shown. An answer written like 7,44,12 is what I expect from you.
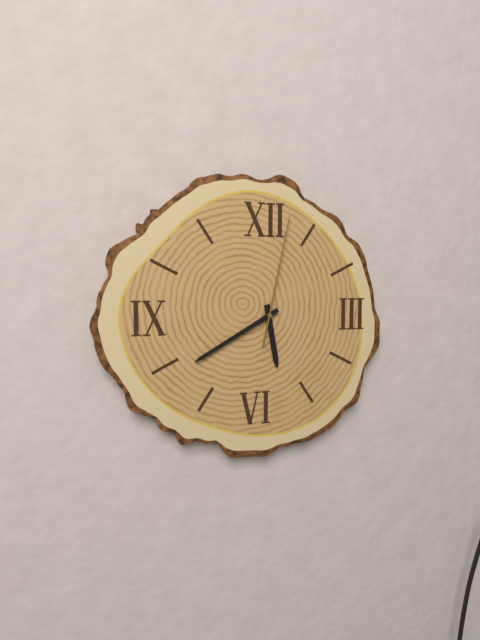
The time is 5,40,02
